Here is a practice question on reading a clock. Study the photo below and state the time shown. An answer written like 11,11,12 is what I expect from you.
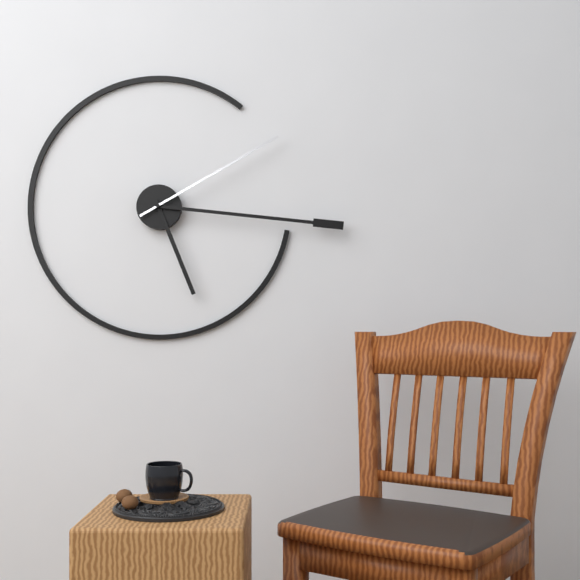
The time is 5,16,10
